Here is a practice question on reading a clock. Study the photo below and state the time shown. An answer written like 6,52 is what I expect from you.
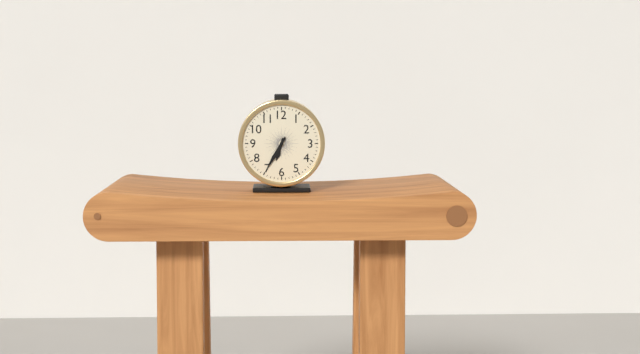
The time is 6,35
